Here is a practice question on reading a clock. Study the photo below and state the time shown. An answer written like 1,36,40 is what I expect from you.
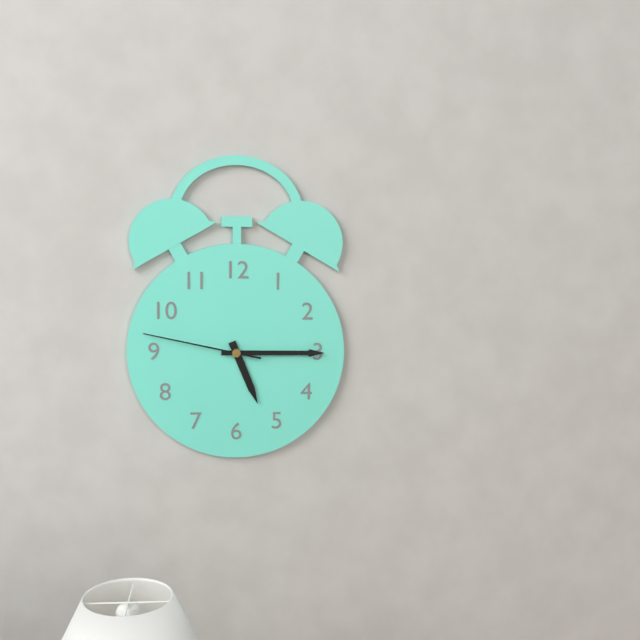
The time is 5,15,47
